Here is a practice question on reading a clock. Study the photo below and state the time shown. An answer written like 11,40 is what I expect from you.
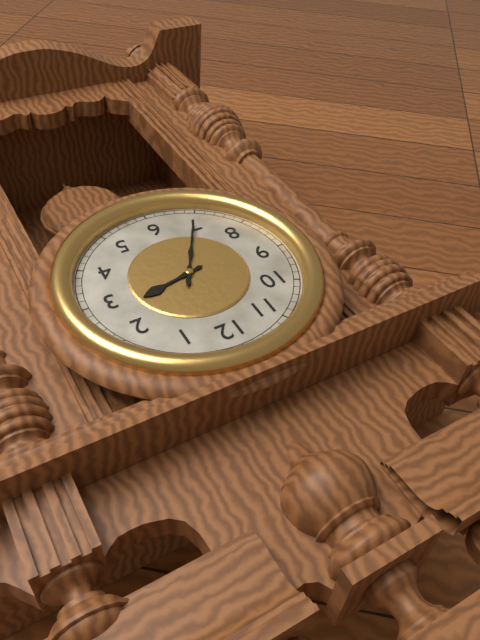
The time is 2,35
